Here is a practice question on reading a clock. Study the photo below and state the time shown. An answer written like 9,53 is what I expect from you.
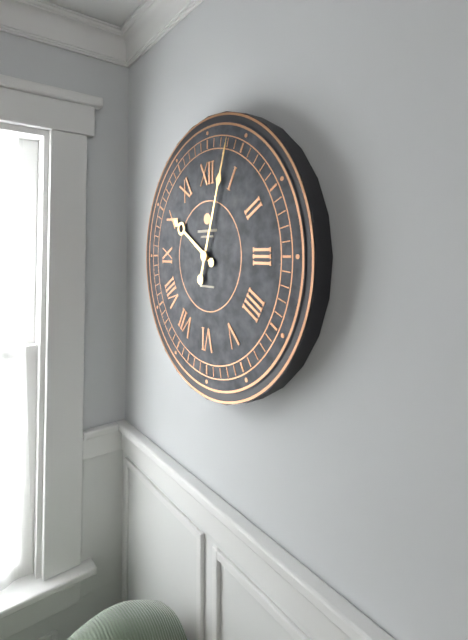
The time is 10,03
